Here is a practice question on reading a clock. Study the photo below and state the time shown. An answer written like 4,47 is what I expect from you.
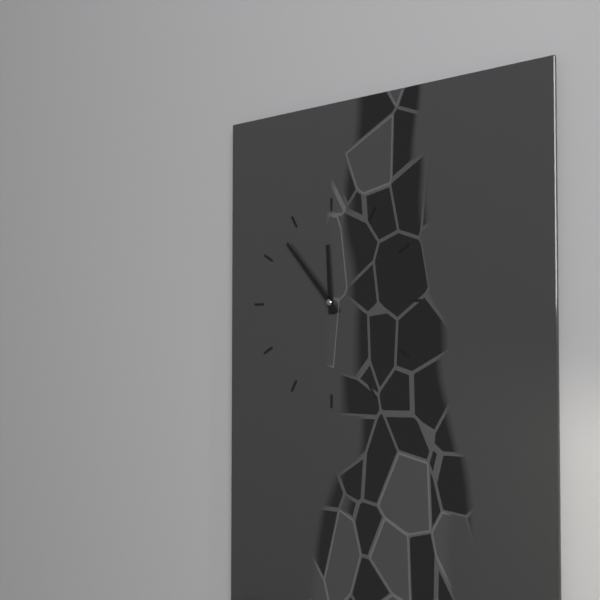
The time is 11,53
